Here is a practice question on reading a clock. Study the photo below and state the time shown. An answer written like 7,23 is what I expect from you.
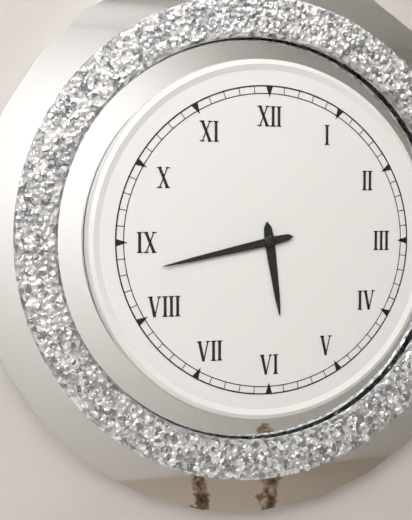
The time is 5,43
